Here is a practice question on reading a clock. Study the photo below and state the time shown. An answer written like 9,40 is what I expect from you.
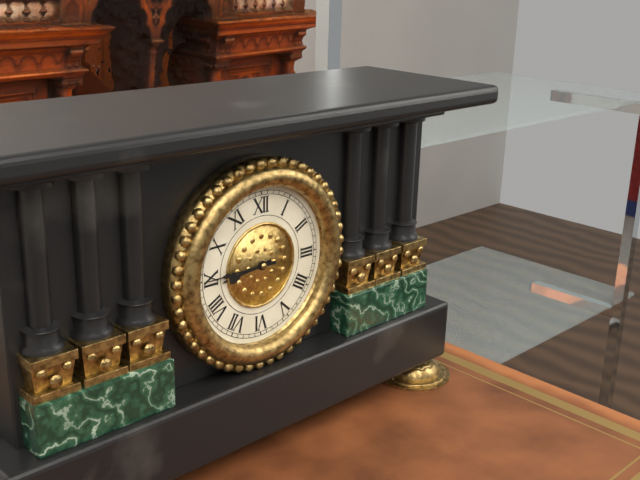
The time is 8,45
